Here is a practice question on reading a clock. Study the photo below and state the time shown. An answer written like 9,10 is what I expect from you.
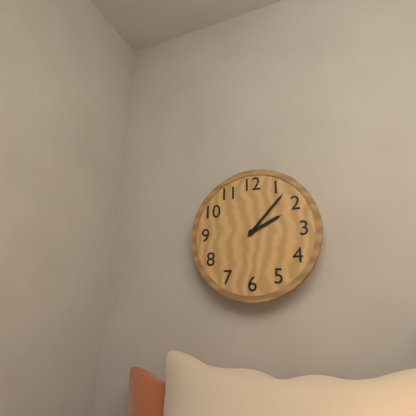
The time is 2,07
